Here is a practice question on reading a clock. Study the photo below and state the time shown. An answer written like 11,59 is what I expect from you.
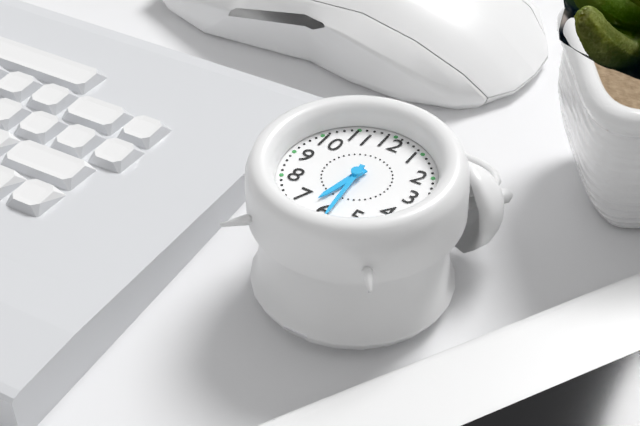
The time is 6,29
